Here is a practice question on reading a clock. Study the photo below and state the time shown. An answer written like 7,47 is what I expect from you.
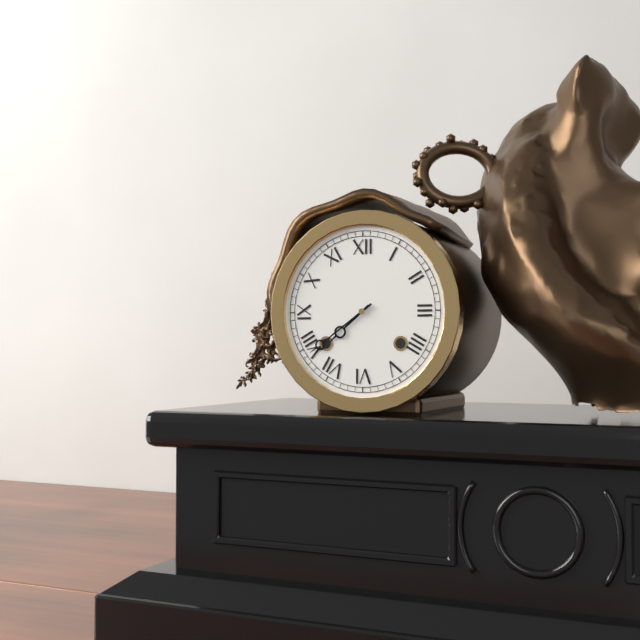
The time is 7,39
